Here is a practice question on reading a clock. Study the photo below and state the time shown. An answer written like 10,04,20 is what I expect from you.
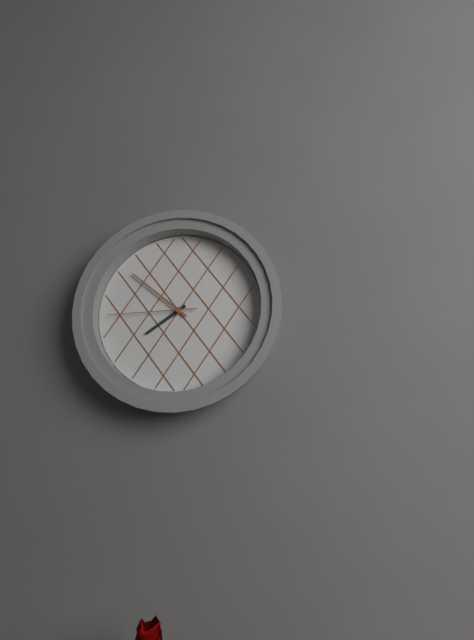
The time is 7,52,45
